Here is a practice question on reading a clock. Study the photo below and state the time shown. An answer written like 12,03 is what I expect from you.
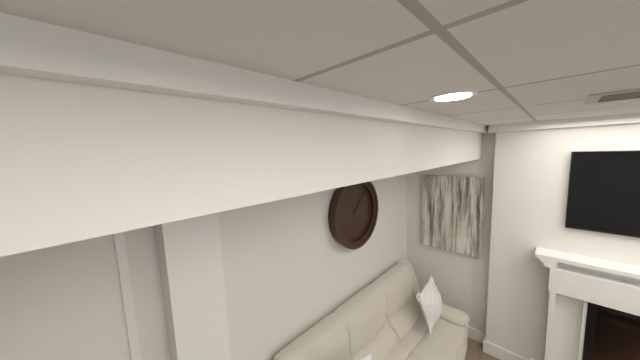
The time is 1,07
